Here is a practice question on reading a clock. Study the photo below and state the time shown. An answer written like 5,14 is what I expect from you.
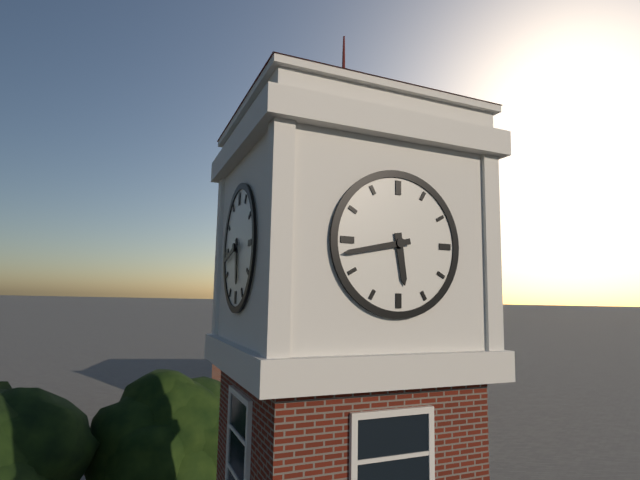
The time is 5,43
